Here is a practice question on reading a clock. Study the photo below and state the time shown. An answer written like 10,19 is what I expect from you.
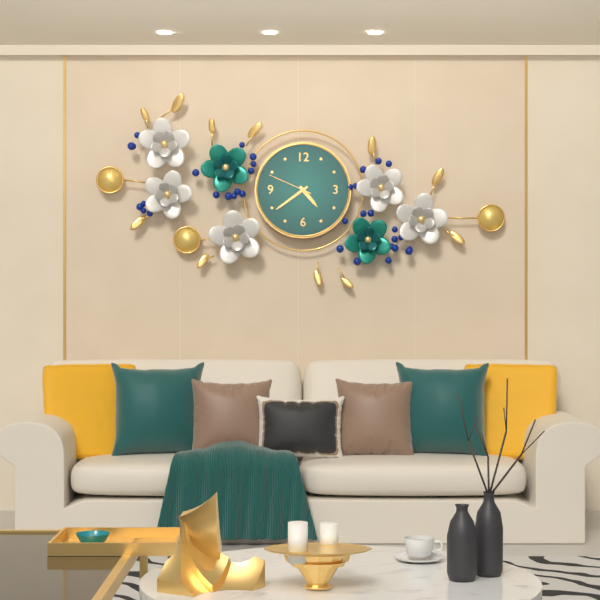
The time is 4,39
